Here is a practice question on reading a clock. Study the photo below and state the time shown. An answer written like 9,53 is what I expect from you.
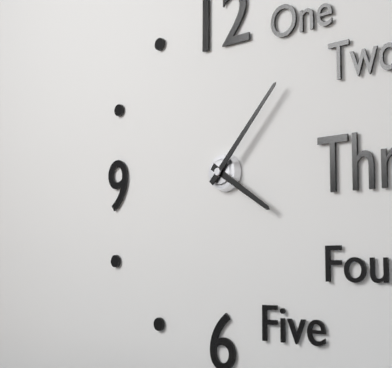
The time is 4,07
